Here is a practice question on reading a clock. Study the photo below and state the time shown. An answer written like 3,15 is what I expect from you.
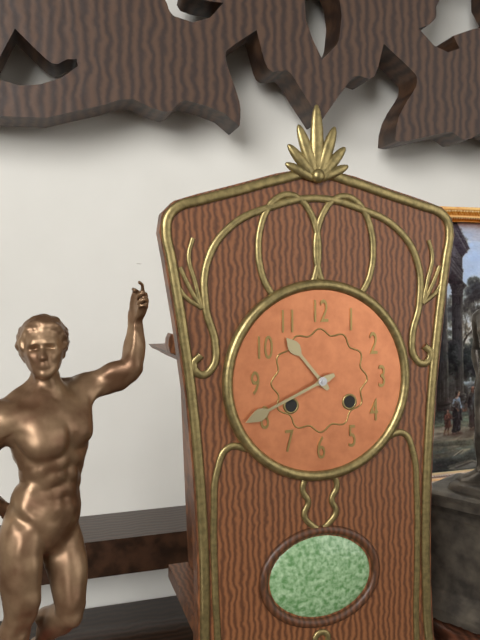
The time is 10,41
